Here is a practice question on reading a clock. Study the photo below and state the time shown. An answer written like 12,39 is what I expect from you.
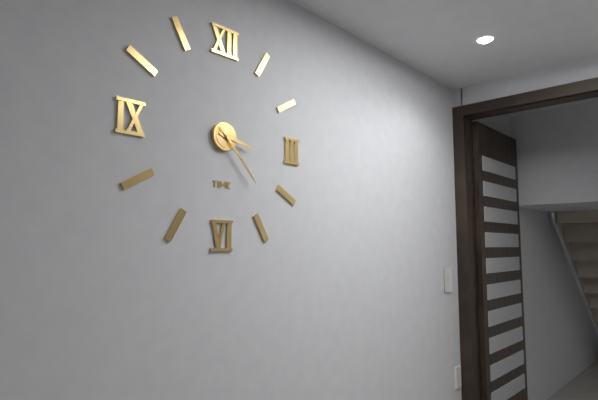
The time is 3,23
